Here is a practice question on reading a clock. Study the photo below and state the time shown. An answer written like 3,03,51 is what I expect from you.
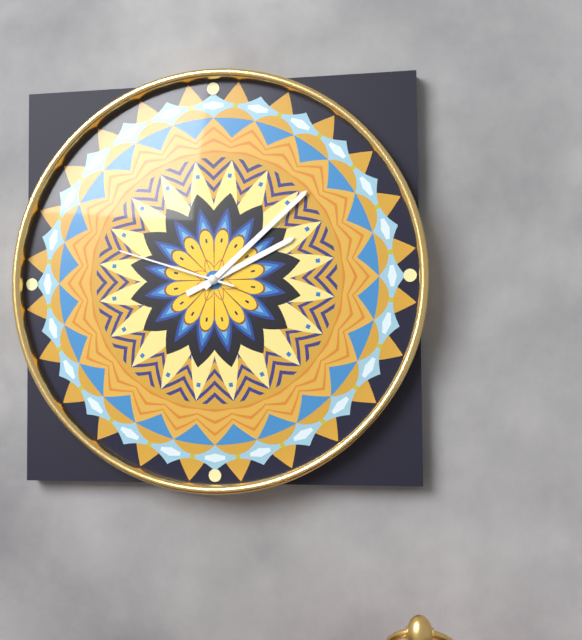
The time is 2,08,48
